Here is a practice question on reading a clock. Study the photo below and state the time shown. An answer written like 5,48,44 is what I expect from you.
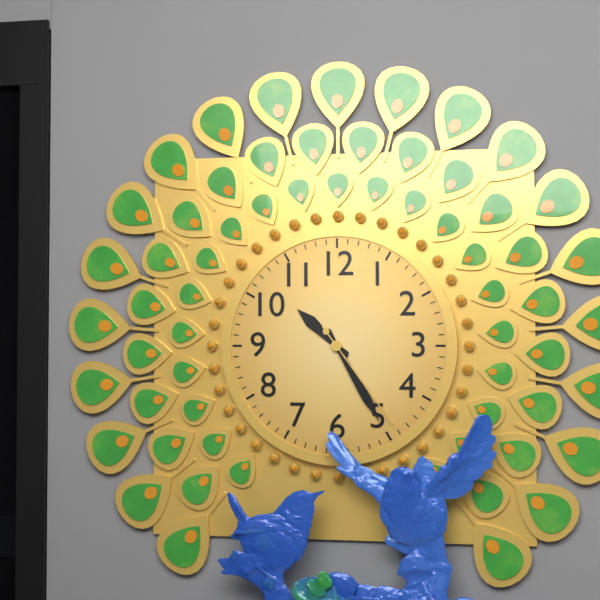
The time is 10,25,24
